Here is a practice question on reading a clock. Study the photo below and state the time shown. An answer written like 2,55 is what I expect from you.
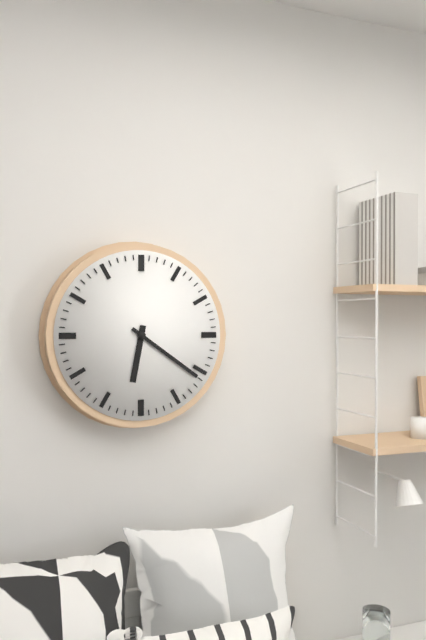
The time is 6,21
